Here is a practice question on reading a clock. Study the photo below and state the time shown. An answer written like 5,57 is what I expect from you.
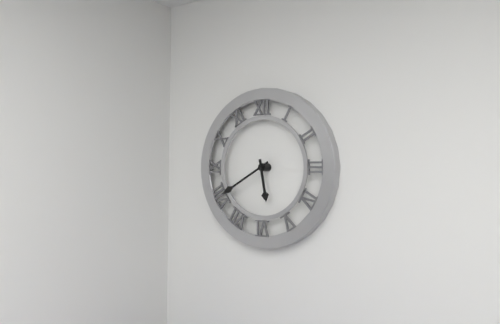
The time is 5,40
